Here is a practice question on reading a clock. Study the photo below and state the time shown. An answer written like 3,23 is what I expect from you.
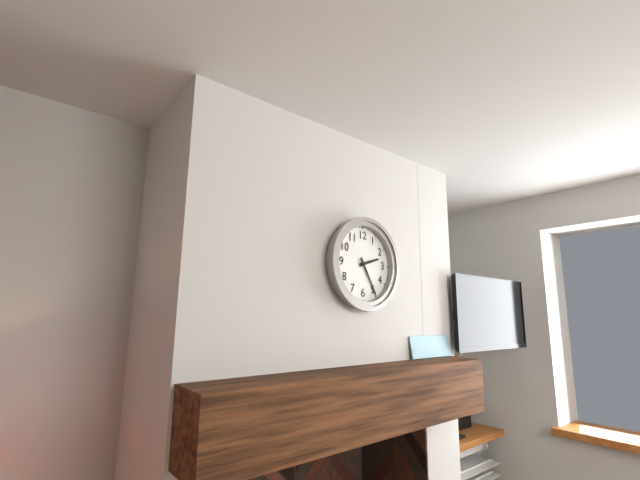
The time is 2,25
